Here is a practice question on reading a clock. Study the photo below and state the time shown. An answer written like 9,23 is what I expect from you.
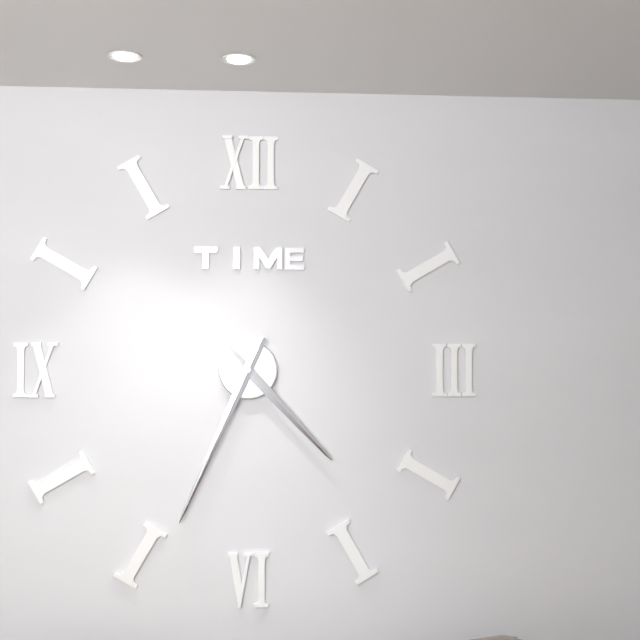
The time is 4,34
